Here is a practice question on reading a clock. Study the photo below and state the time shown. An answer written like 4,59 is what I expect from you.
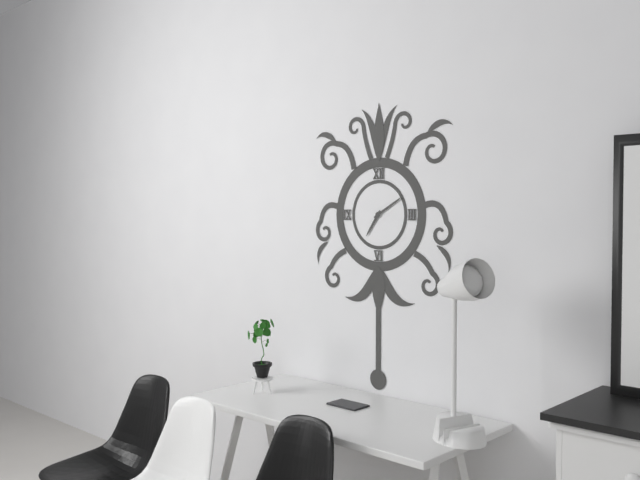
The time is 7,10
